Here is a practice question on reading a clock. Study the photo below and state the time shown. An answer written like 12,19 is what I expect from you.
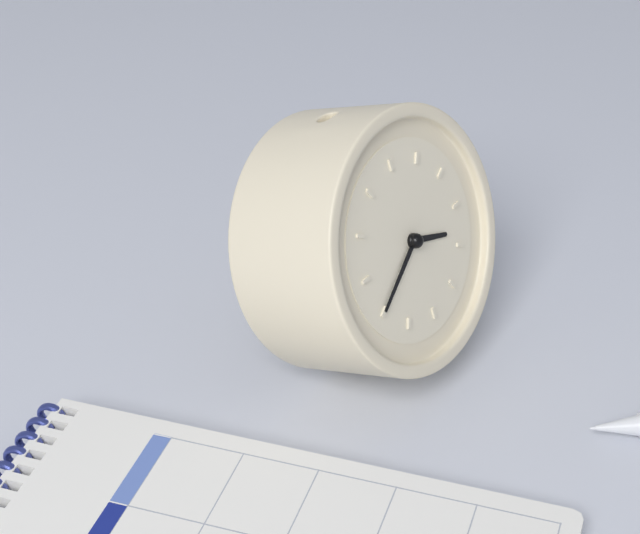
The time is 3,40
